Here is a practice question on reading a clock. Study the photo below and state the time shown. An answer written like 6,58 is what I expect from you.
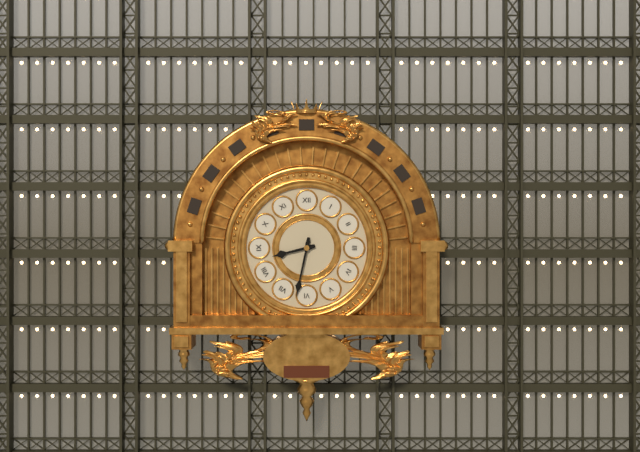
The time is 8,32
